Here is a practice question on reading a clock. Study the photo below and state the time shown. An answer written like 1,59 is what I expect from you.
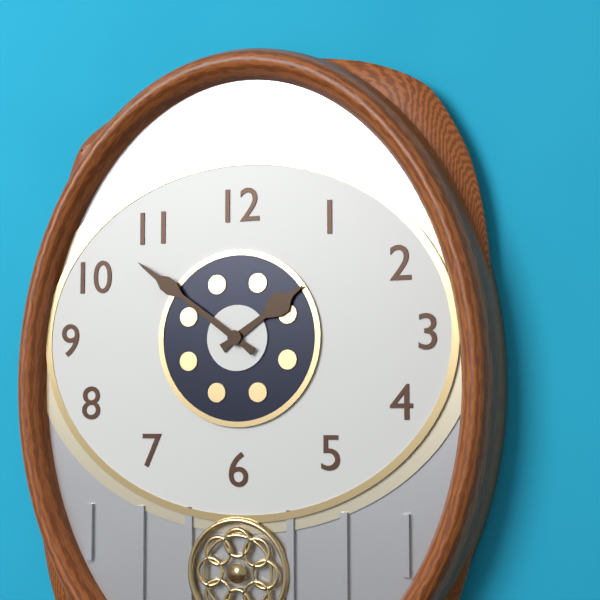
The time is 1,51
